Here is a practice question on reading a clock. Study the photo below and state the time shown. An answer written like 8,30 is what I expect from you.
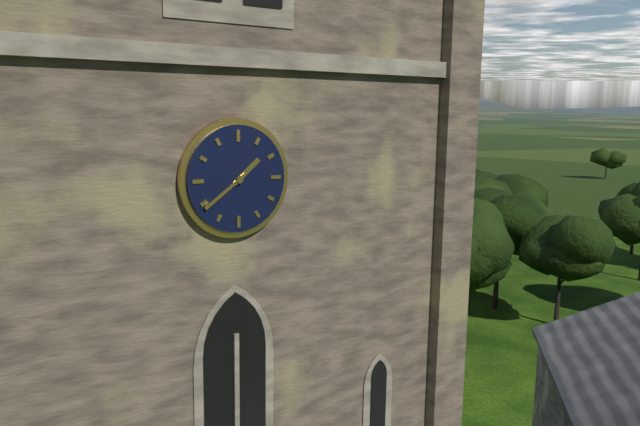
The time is 1,39
